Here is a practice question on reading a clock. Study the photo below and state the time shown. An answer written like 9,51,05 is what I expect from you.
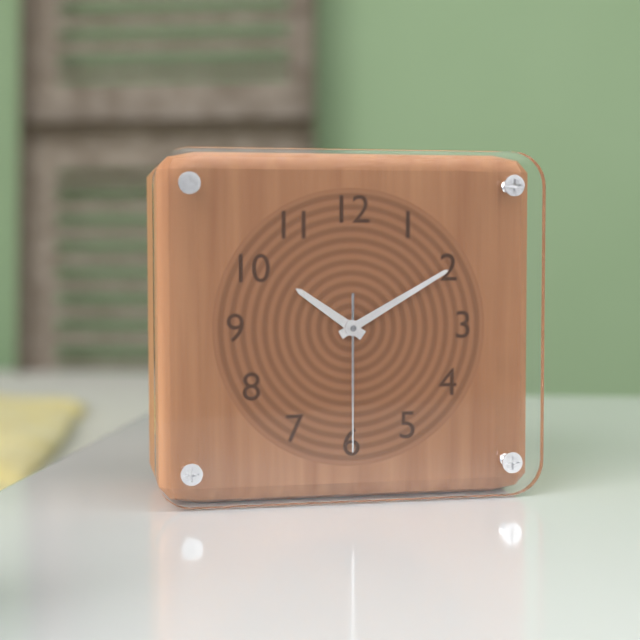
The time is 10,10,30
